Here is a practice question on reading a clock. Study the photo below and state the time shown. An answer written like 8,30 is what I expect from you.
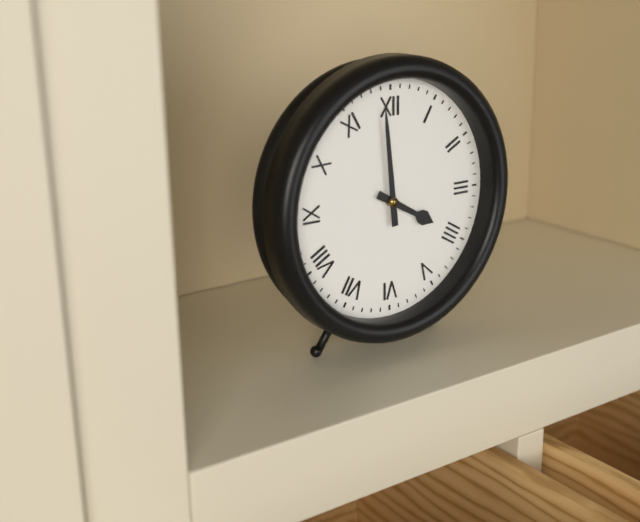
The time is 3,59
